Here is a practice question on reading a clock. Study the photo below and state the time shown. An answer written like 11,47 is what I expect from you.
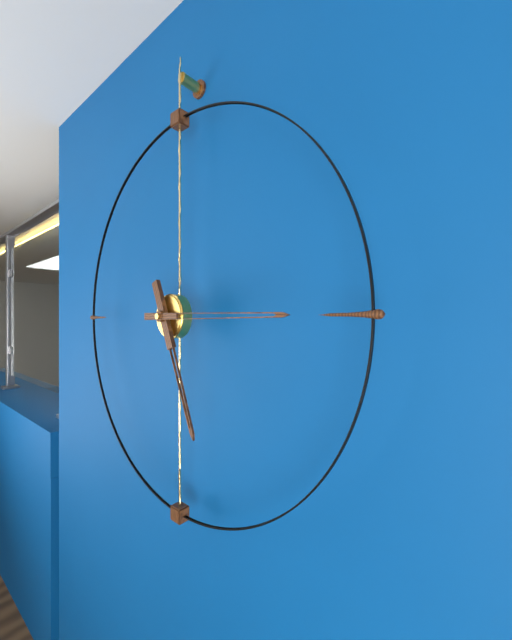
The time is 5,15
